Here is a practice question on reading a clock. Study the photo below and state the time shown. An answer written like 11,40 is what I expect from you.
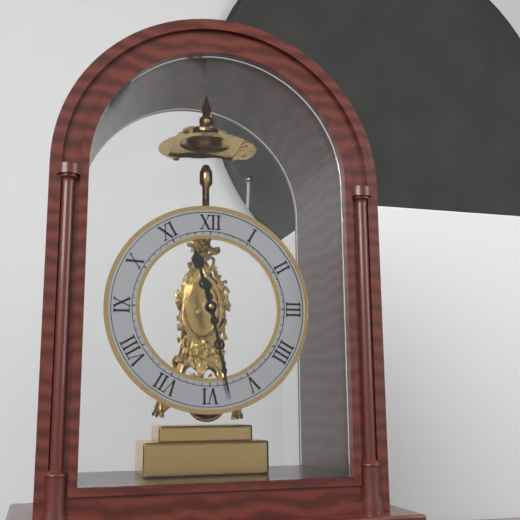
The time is 11,28
